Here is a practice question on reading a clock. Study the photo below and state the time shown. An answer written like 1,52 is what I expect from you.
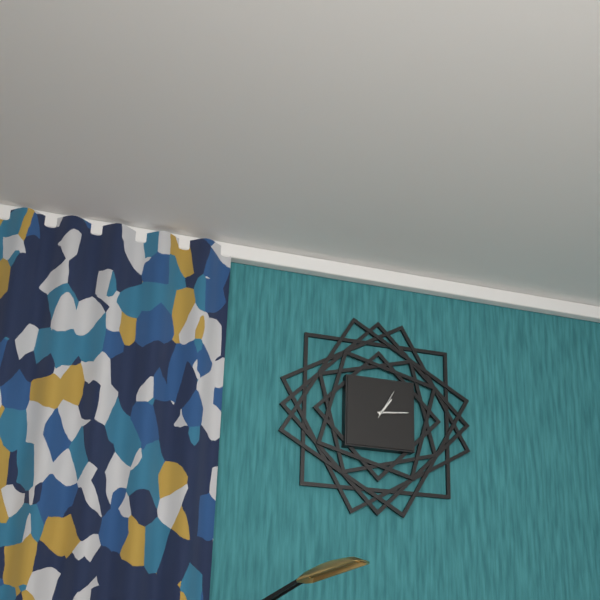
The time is 1,14
